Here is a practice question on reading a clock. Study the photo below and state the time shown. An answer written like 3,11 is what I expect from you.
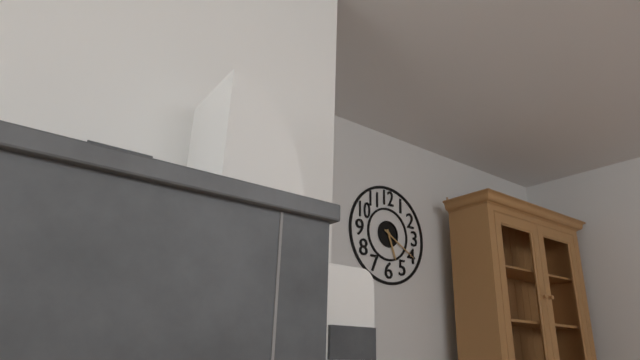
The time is 5,20
